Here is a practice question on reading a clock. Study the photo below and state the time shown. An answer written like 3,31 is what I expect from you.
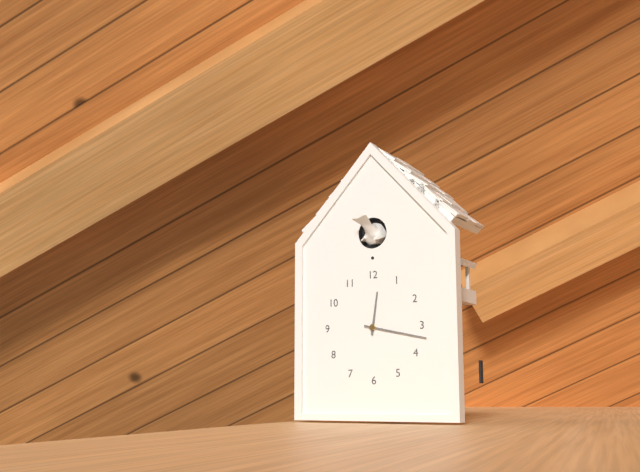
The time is 12,17
